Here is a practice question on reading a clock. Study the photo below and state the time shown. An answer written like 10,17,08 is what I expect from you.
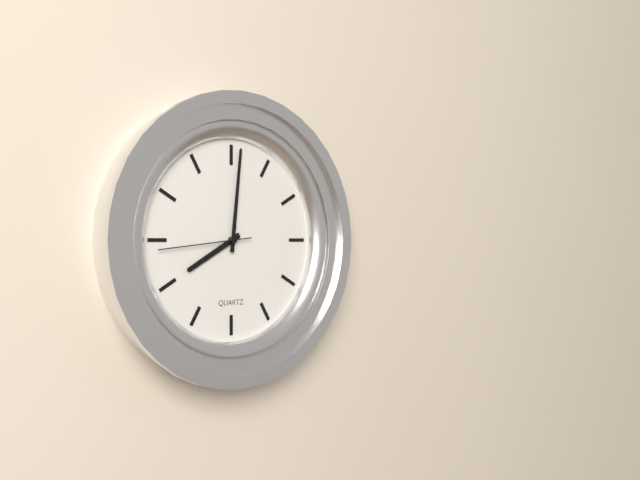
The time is 8,01,44
